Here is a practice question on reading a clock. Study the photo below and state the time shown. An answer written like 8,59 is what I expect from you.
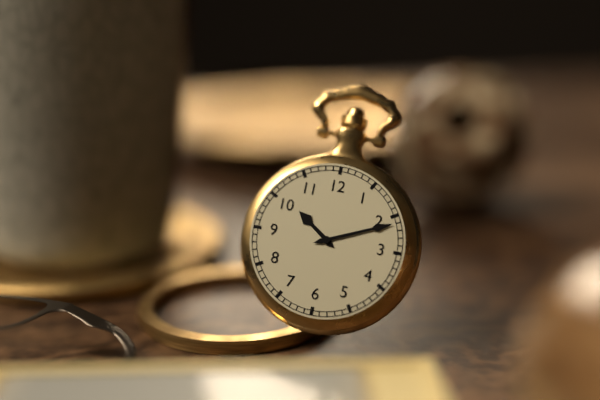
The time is 10,11
